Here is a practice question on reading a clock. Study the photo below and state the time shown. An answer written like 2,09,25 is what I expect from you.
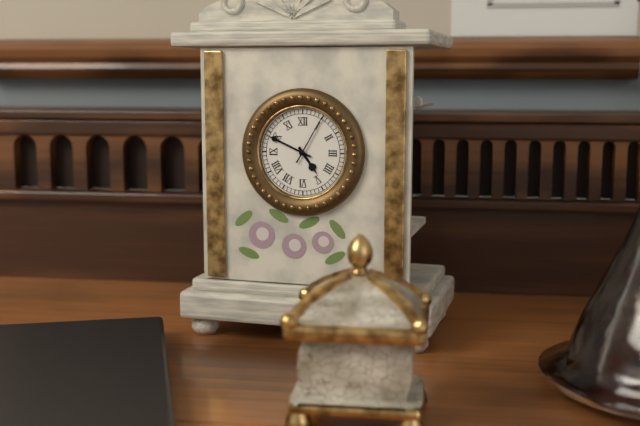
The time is 4,49,05
